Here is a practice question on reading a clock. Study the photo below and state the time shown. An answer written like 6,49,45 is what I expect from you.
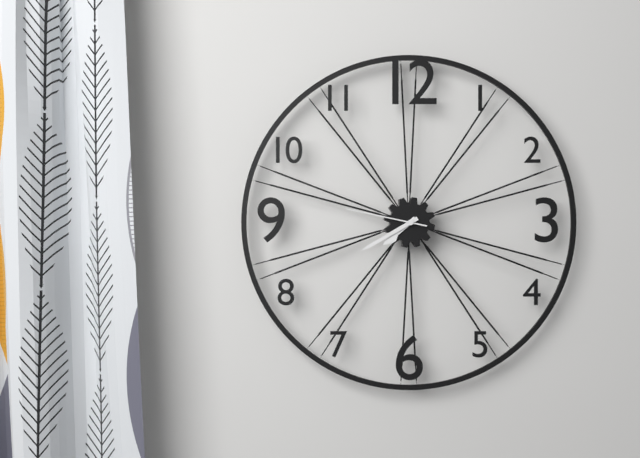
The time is 7,40,47
